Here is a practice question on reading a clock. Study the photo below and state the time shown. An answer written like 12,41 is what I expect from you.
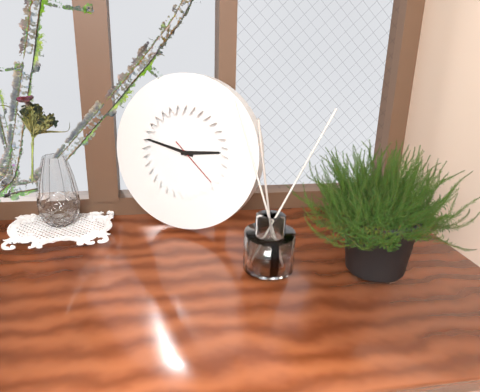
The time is 2,47
